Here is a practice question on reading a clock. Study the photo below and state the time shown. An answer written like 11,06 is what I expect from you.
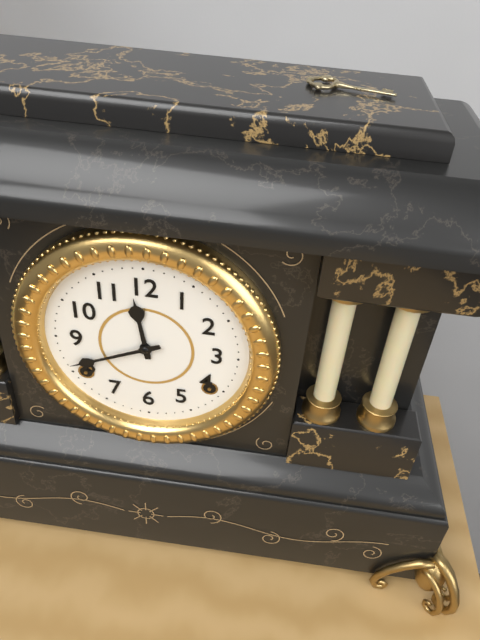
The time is 11,41
